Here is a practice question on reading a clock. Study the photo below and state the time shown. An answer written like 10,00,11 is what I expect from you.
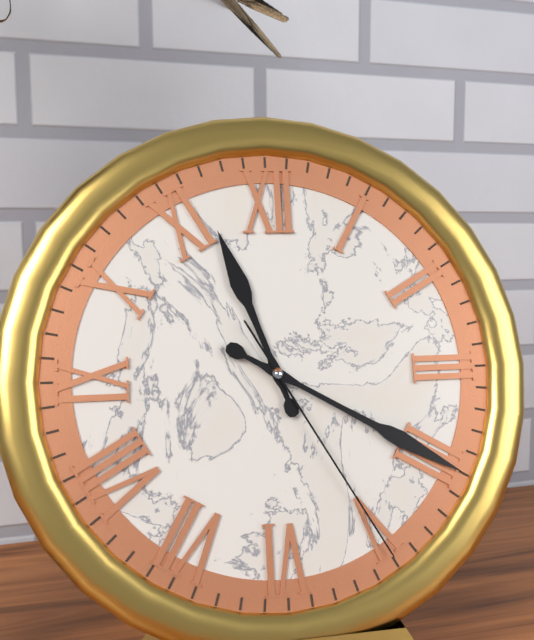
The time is 11,20,25
